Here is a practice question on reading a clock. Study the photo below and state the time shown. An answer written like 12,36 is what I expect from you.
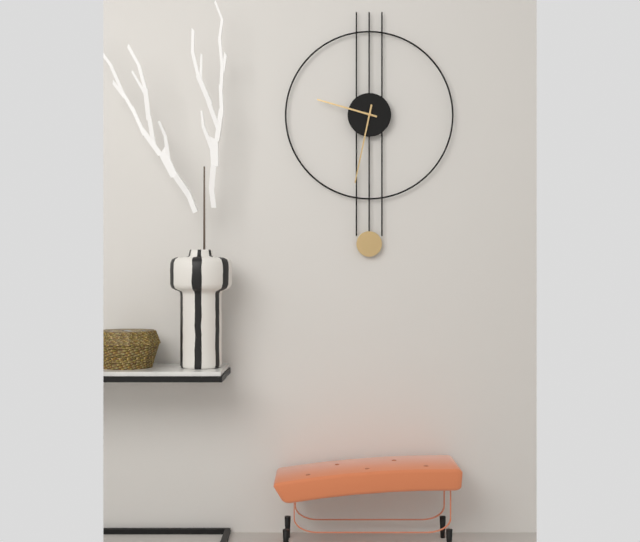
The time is 9,32
